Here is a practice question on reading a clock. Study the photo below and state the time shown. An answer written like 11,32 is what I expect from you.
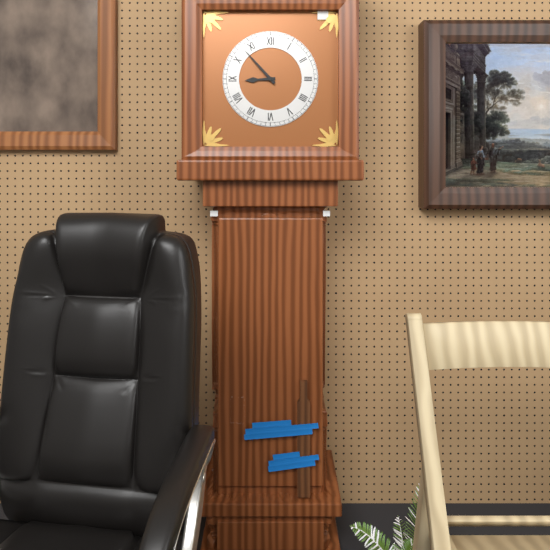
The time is 8,53
